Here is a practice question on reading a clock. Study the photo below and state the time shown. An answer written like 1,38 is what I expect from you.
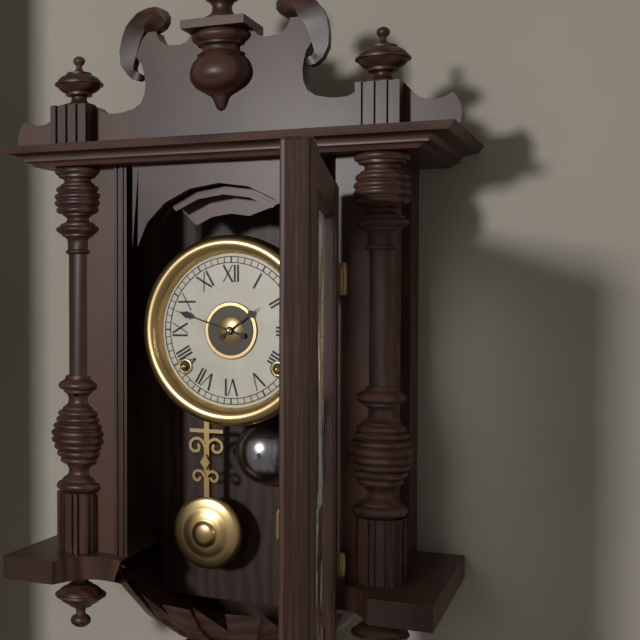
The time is 1,48
